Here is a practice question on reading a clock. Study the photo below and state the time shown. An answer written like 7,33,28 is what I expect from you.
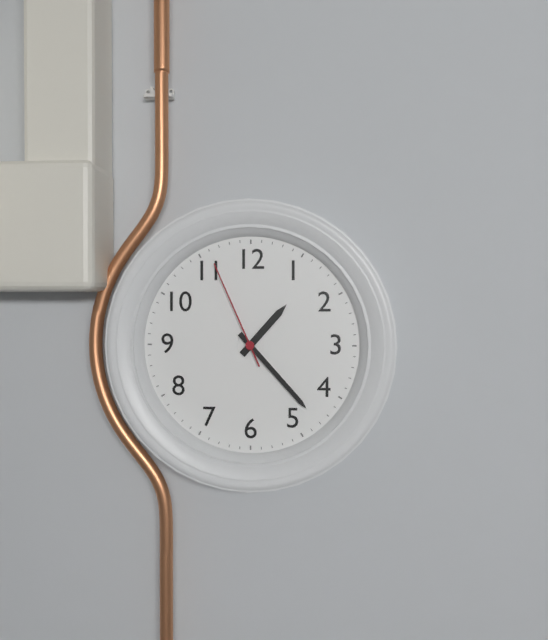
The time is 1,23,56
